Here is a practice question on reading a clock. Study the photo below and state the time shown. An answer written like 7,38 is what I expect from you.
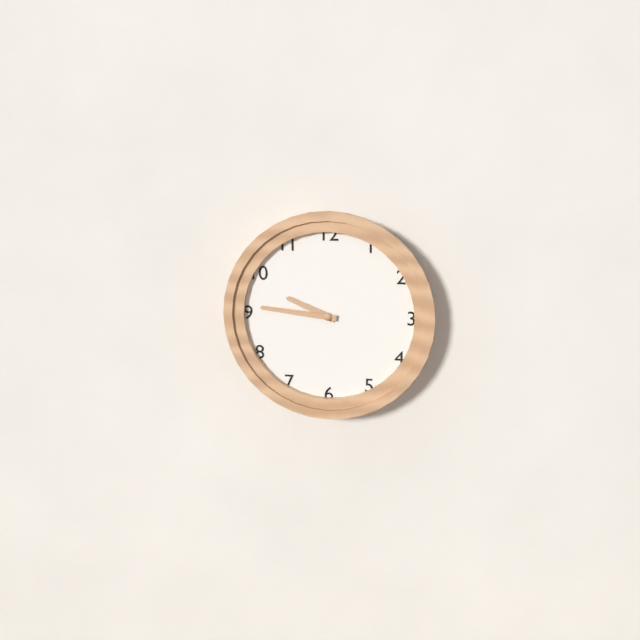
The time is 9,46
